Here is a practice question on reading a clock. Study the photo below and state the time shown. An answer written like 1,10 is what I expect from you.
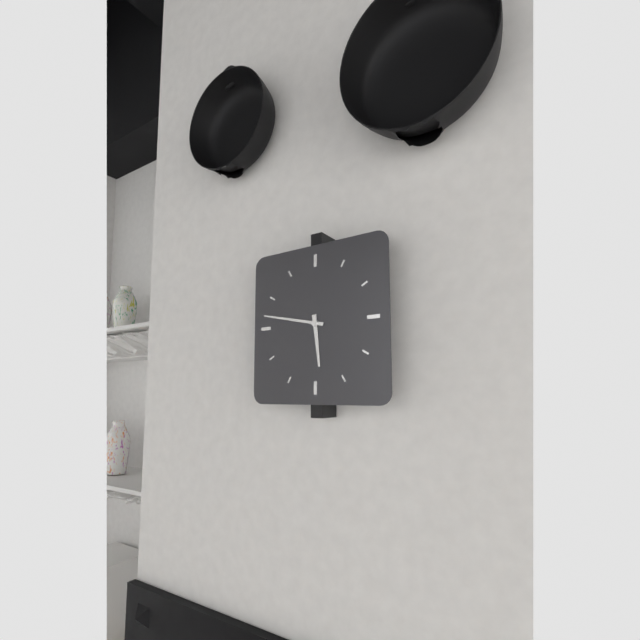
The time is 5,47
